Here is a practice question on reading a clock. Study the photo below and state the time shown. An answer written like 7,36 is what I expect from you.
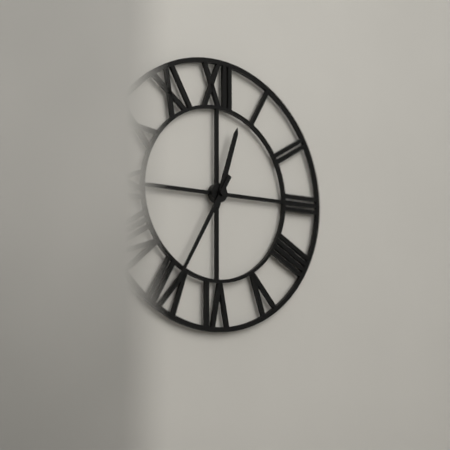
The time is 12,35
